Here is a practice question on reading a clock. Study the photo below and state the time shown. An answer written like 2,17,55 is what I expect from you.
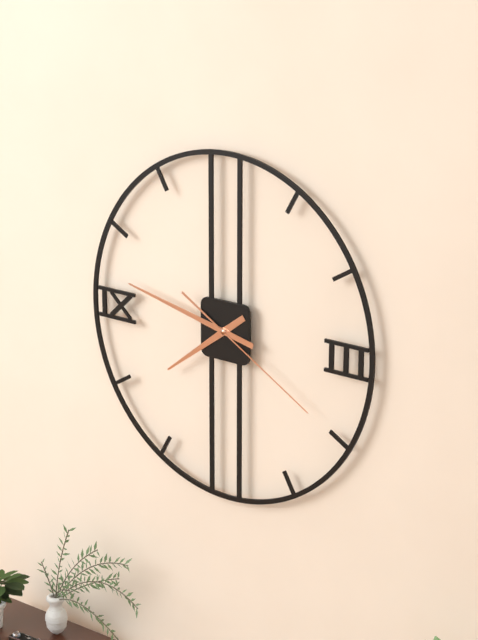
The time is 7,47,20
